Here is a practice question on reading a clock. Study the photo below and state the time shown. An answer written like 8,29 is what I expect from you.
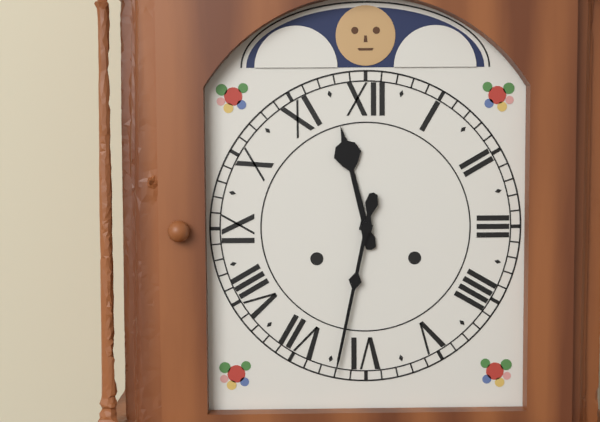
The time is 11,32
